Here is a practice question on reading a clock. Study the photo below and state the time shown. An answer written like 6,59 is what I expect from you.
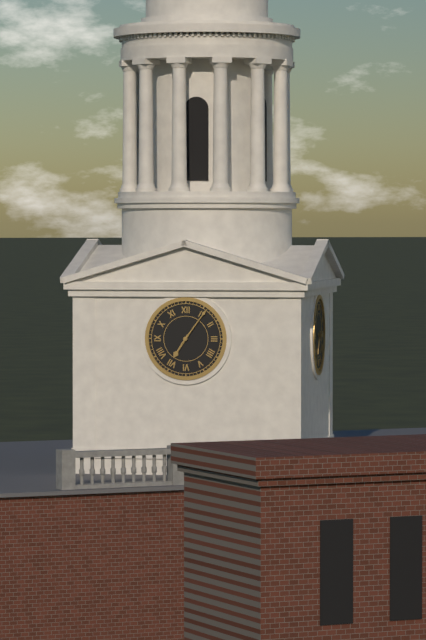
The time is 7,06
